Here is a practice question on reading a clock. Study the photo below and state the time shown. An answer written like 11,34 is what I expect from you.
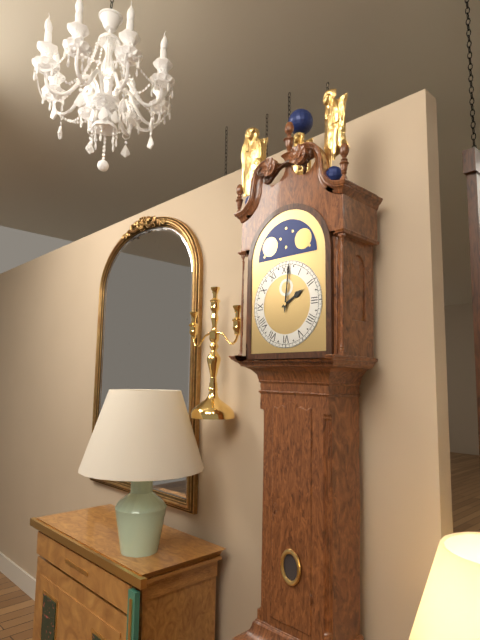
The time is 2,01
